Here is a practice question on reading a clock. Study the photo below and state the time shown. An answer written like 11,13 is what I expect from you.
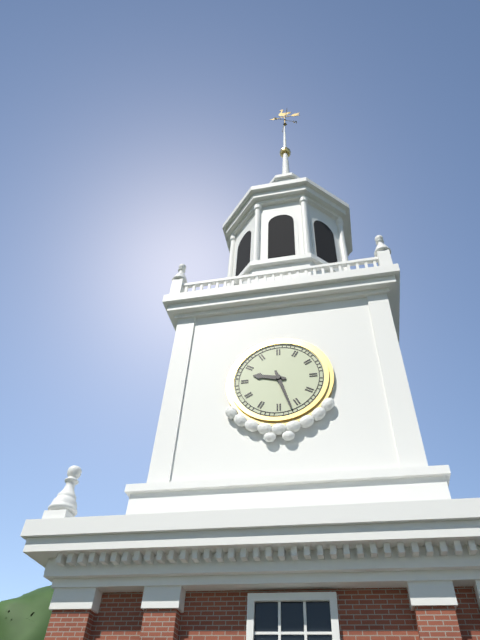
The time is 9,27
